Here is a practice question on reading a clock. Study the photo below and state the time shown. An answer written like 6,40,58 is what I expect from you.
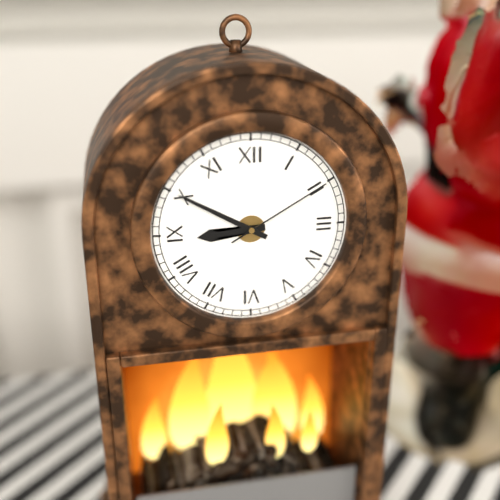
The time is 8,50,10
